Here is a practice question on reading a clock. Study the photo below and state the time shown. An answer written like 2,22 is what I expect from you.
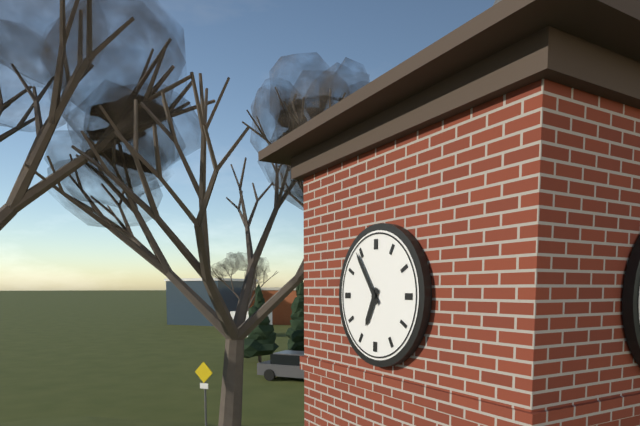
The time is 6,54
